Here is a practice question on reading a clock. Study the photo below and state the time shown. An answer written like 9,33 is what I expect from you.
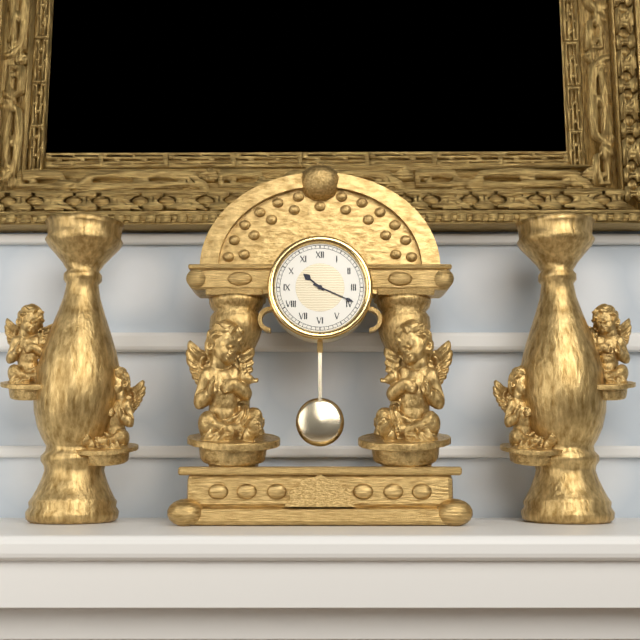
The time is 10,19
